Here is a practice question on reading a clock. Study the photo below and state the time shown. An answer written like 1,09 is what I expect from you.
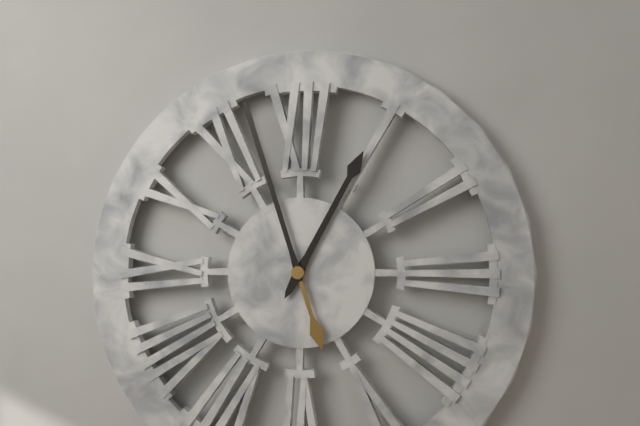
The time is 12,57
